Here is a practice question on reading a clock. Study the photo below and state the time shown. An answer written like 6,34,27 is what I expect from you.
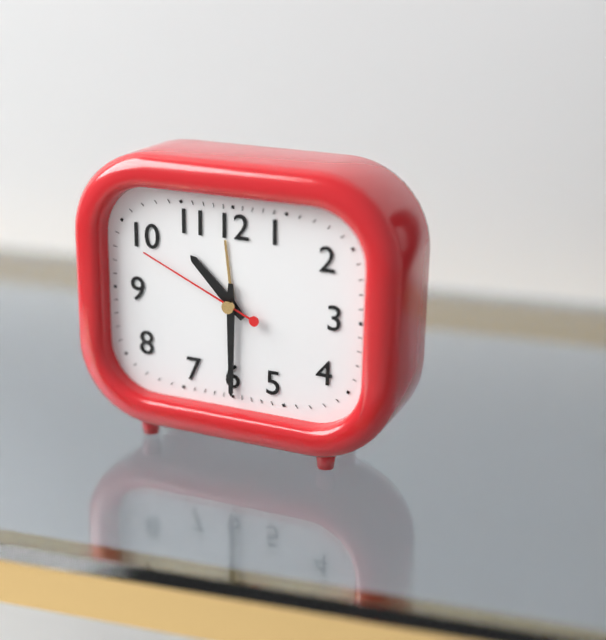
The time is 10,30,49
